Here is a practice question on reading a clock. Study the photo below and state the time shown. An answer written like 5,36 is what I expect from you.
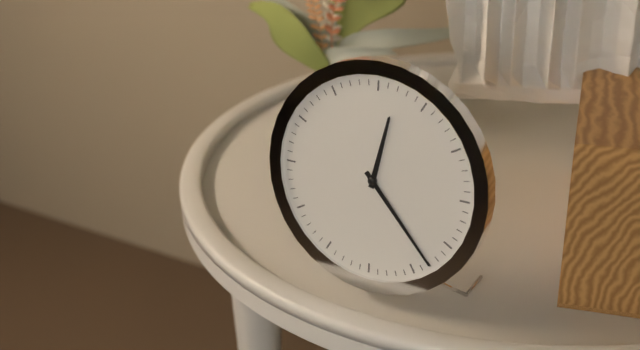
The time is 12,23
